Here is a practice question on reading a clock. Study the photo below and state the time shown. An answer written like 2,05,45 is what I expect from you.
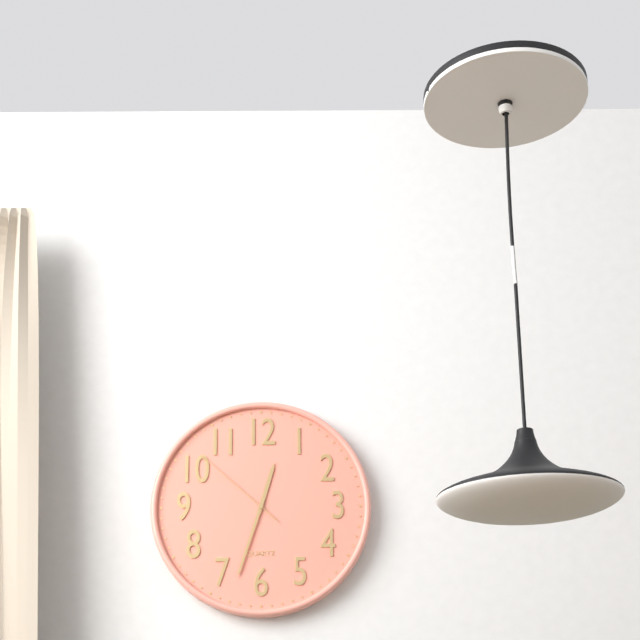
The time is 12,33,52
